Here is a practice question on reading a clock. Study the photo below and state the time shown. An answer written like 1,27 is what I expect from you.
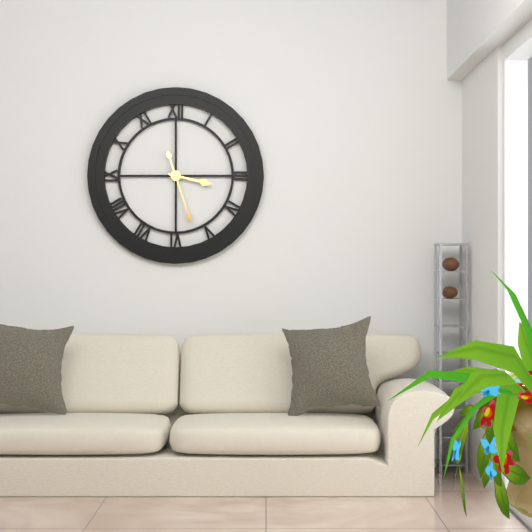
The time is 3,27
